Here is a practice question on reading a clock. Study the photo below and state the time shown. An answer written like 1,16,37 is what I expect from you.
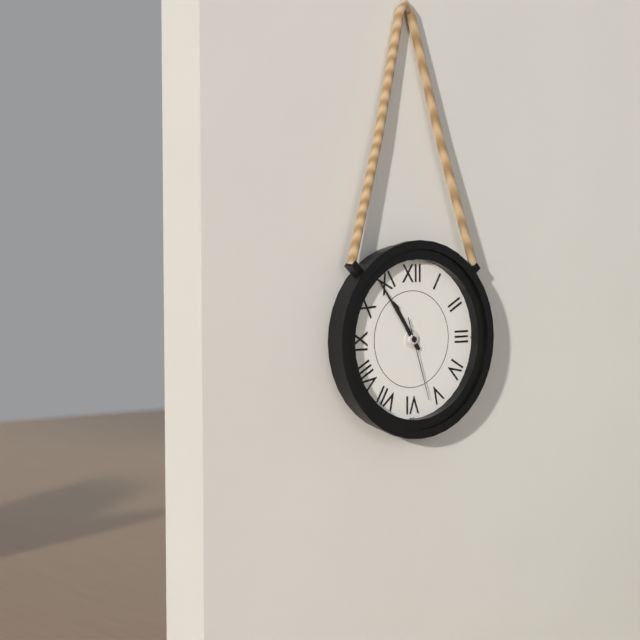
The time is 10,54,27
